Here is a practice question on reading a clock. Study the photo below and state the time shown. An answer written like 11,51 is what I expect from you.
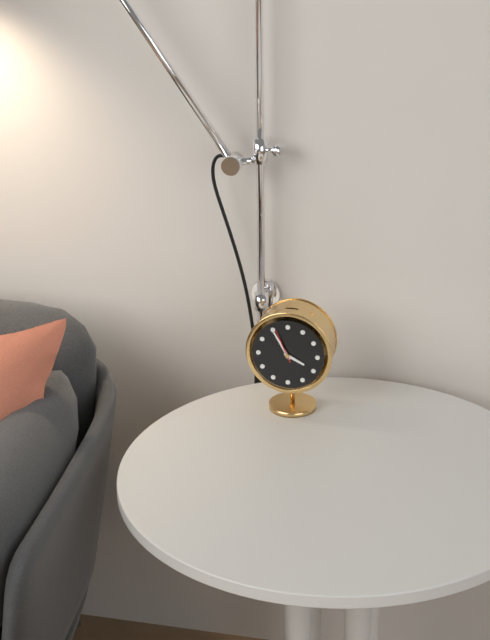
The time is 3,55
